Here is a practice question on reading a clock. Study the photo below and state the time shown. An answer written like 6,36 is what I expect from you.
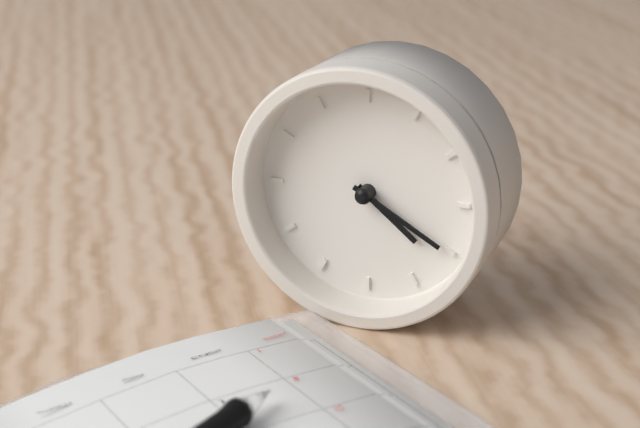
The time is 4,20
